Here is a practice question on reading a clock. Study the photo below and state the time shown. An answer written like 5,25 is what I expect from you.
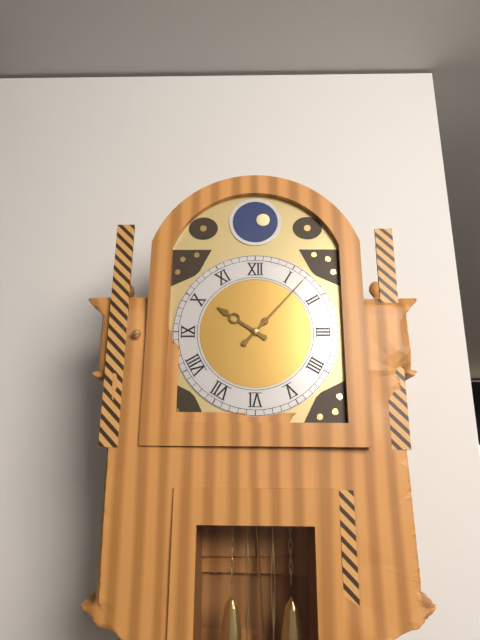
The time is 10,07
